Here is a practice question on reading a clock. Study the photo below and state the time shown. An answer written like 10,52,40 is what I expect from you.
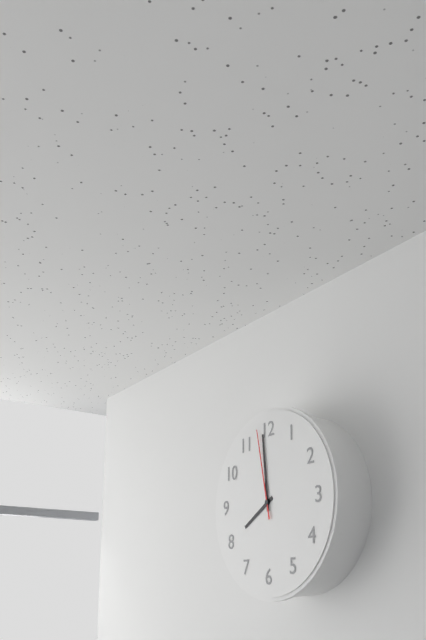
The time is 7,59,58
